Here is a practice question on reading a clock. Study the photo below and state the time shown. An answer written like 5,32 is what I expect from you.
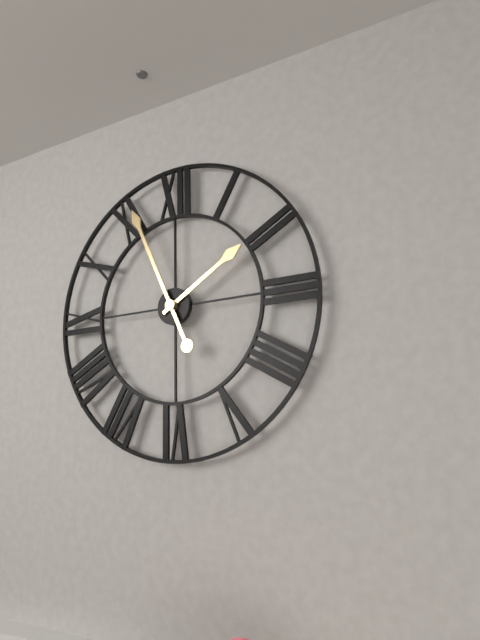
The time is 1,56
